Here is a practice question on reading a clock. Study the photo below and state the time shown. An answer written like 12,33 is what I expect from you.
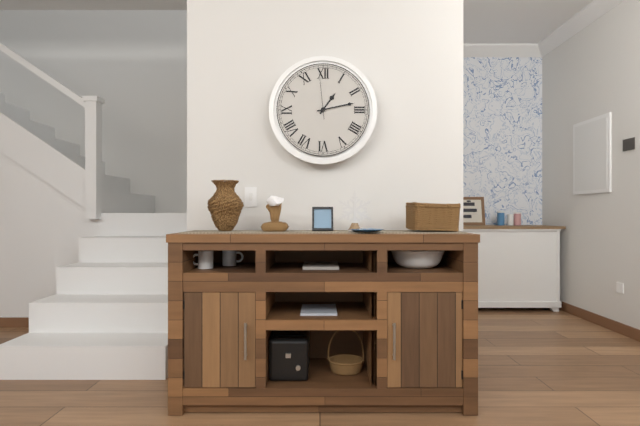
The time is 1,13
